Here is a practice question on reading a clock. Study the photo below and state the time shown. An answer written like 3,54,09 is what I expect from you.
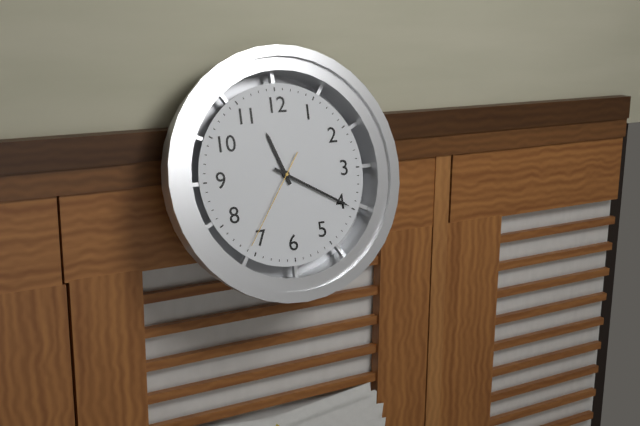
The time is 11,20,36
